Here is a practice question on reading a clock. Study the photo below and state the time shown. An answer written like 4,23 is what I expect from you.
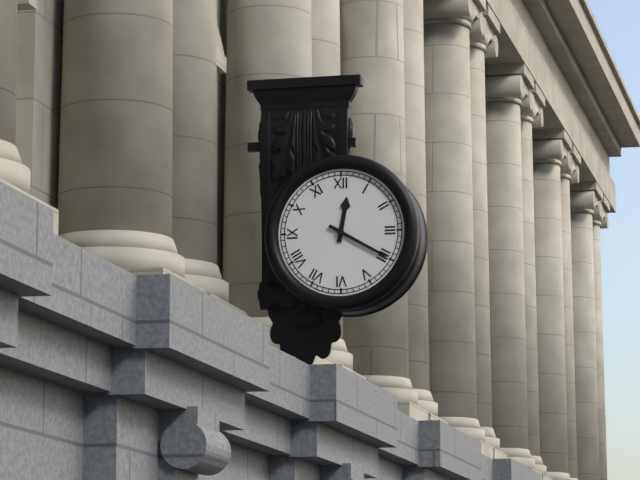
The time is 12,20
